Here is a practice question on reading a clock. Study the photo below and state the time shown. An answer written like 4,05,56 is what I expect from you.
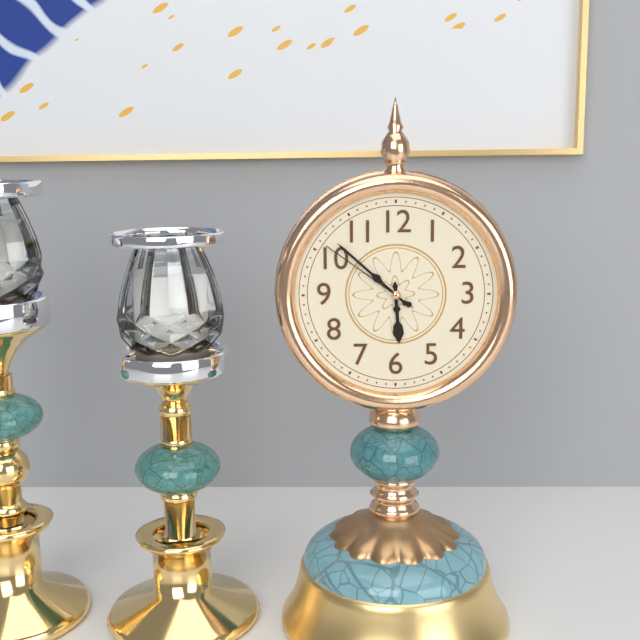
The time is 5,52,51
